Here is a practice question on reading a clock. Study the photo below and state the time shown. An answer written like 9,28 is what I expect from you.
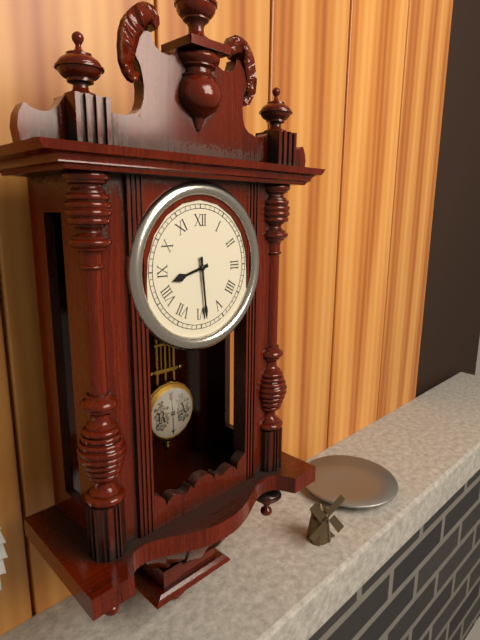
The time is 8,29
